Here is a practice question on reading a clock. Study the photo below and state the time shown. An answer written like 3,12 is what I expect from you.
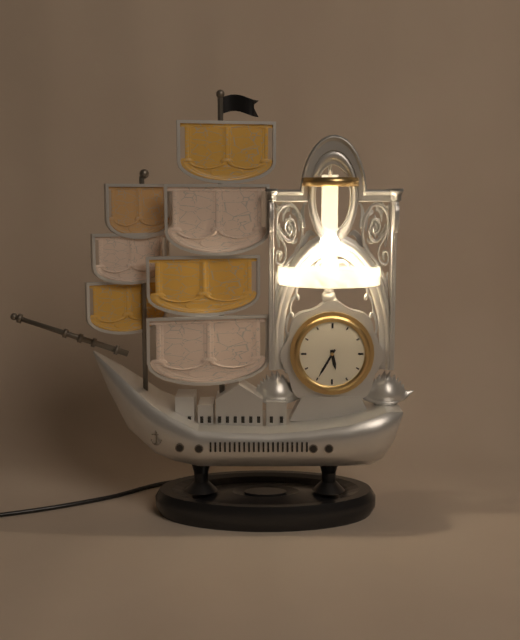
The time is 5,35
